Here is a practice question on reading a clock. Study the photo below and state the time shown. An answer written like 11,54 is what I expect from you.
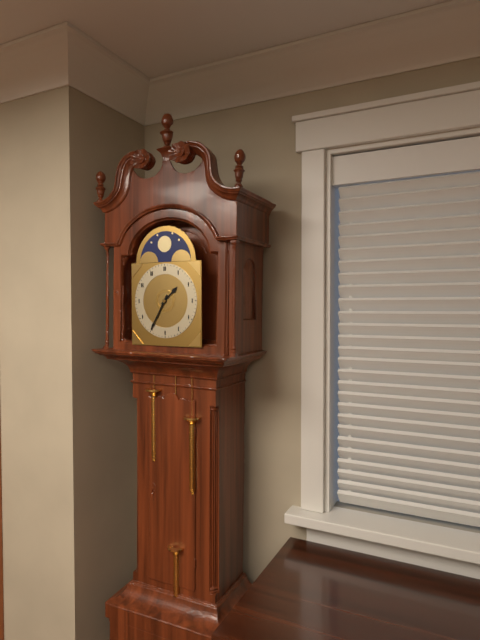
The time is 1,35
